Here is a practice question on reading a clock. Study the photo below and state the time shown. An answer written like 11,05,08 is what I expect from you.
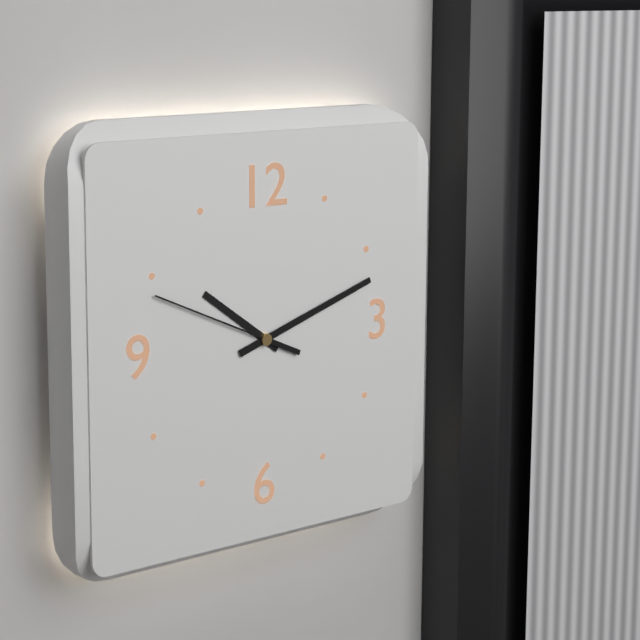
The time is 10,12,49
